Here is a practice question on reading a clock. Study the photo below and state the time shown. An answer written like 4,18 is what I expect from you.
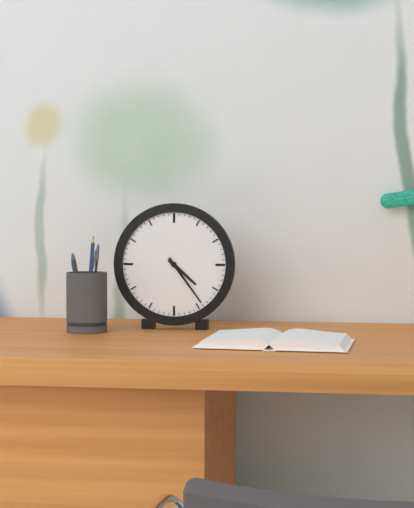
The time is 4,24
